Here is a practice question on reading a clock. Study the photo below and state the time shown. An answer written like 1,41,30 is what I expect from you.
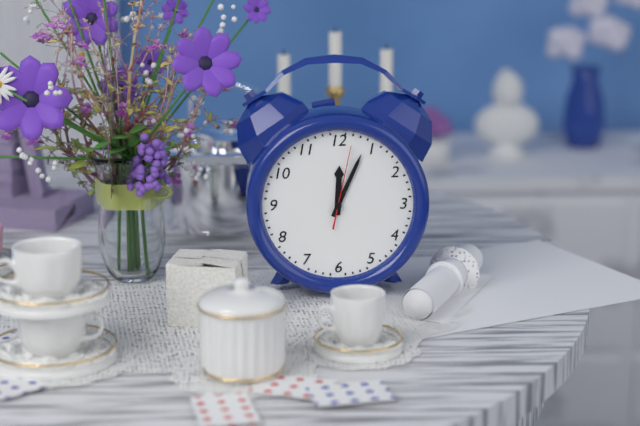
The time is 12,04,02
